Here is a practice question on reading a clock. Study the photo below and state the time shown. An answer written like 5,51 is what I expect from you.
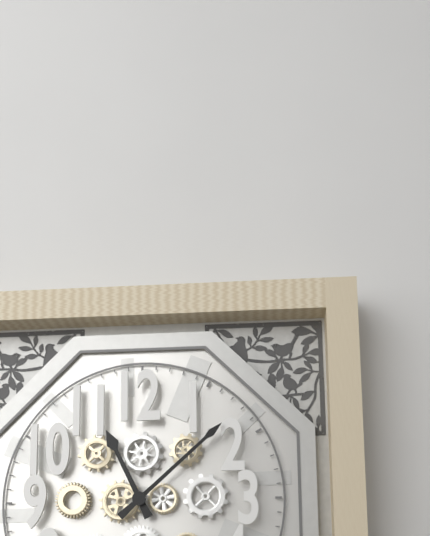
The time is 11,08
